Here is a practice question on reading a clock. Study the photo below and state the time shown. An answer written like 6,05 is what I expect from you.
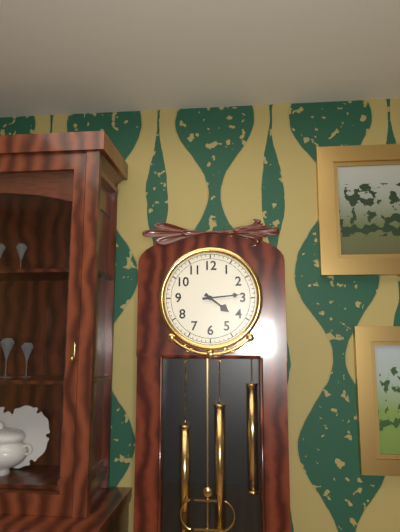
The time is 4,14
